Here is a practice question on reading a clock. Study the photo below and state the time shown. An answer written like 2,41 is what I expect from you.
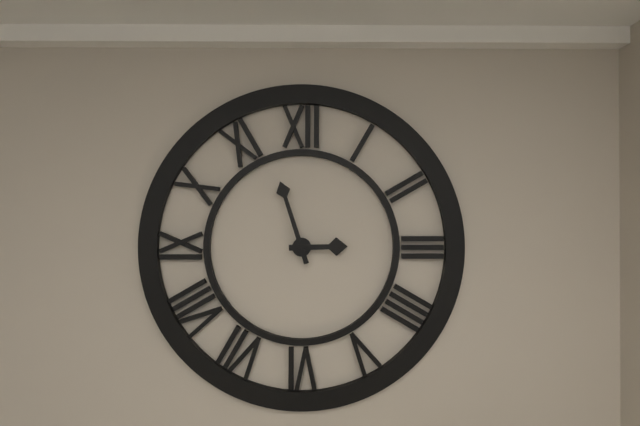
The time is 2,57
